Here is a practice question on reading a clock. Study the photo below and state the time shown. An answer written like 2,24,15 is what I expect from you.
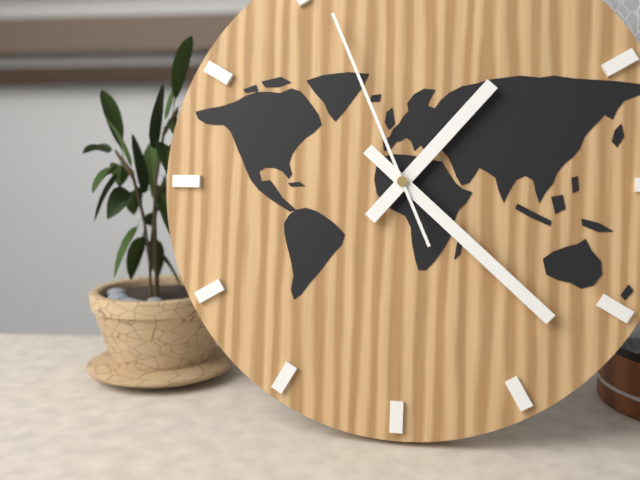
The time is 1,22,56
